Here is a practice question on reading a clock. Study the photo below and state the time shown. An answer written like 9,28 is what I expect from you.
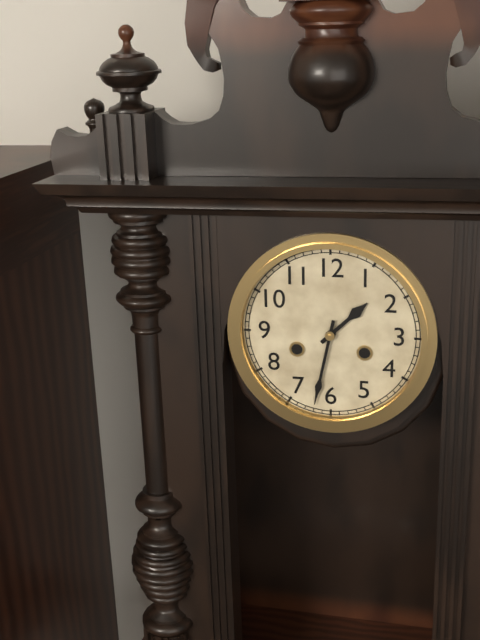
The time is 1,32
